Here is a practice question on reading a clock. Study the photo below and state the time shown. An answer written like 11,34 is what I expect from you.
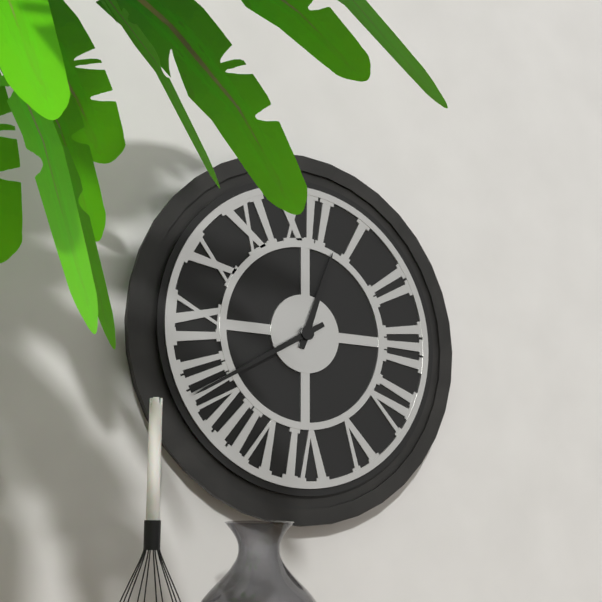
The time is 12,40
